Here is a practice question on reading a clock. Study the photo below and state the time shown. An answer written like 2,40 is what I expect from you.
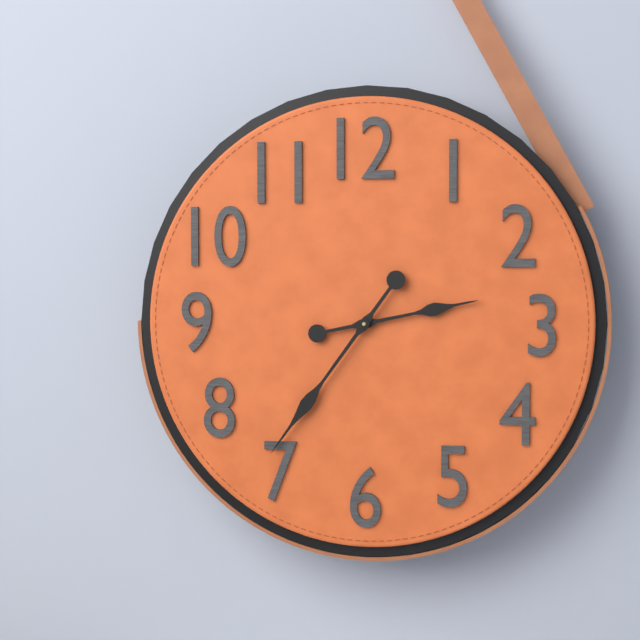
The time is 2,36
